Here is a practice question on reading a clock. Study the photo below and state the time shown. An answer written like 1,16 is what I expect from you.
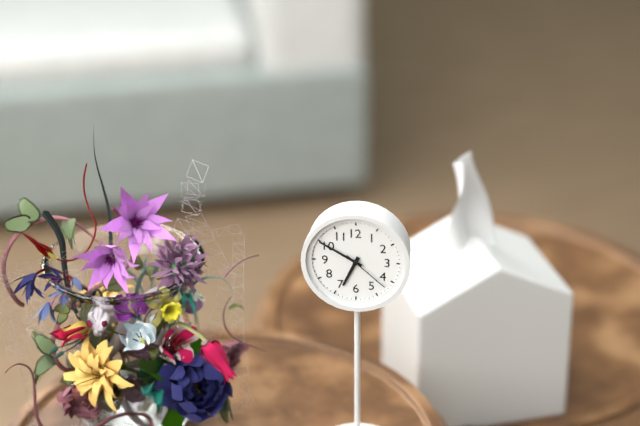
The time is 6,50
